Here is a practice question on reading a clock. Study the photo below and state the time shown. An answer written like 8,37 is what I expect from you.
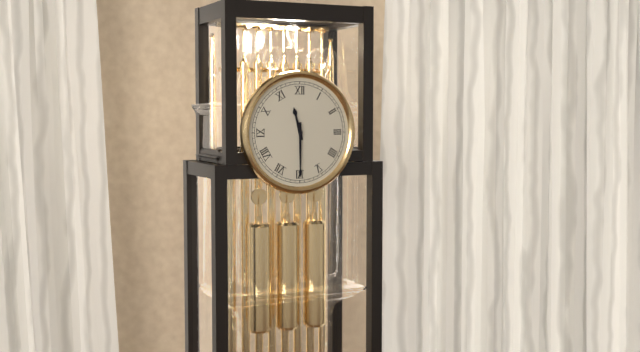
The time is 11,30
